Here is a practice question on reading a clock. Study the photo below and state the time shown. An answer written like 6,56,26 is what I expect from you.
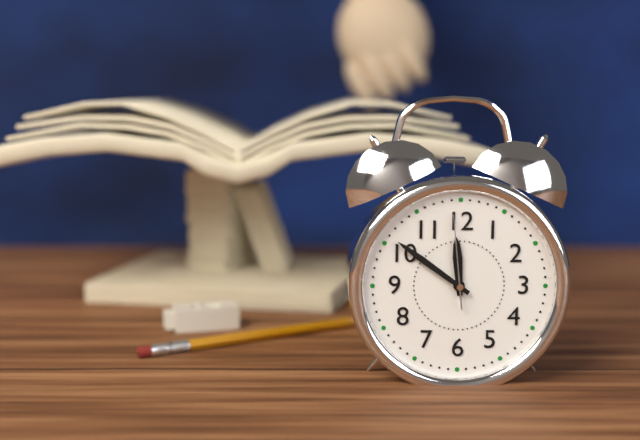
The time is 11,51,59
